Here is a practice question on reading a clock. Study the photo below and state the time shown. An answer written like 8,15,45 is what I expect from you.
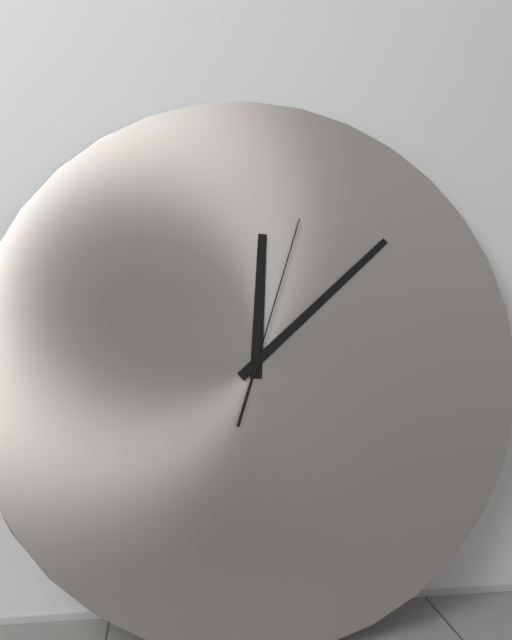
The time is 12,08,03
